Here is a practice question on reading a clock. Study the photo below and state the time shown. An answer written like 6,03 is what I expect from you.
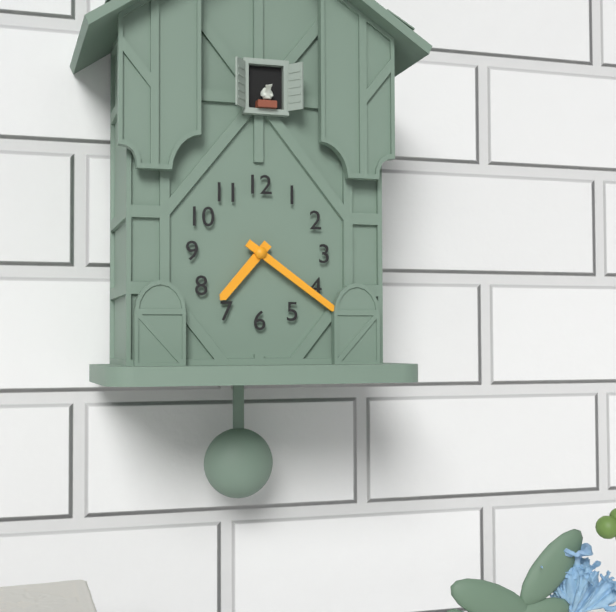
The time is 7,21
